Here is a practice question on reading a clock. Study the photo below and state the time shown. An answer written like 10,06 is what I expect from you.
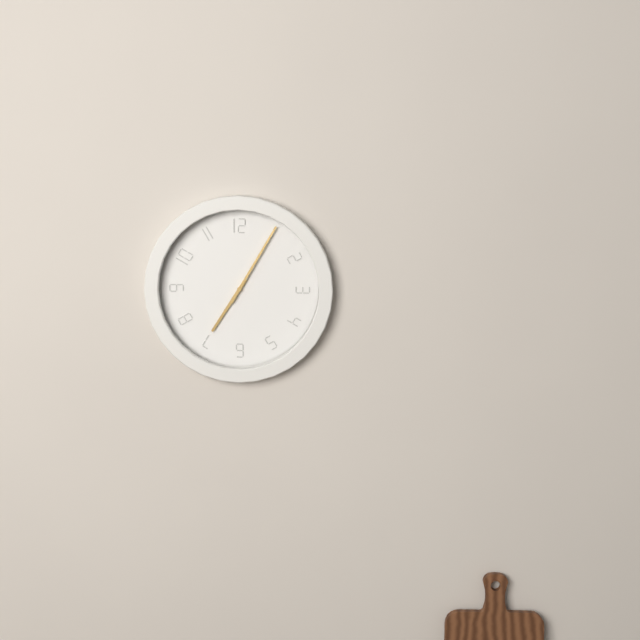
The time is 7,05
